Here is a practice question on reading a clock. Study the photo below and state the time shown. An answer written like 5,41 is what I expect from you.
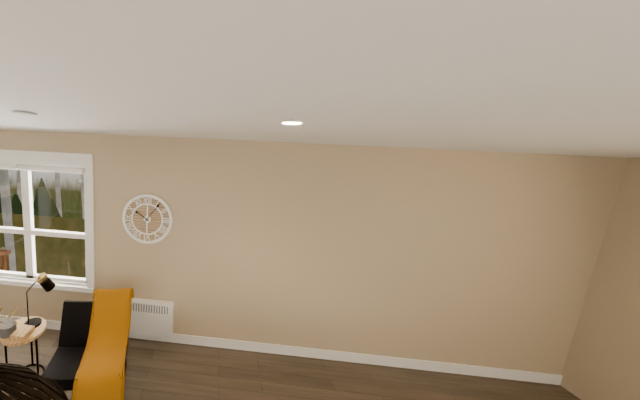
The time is 10,06
